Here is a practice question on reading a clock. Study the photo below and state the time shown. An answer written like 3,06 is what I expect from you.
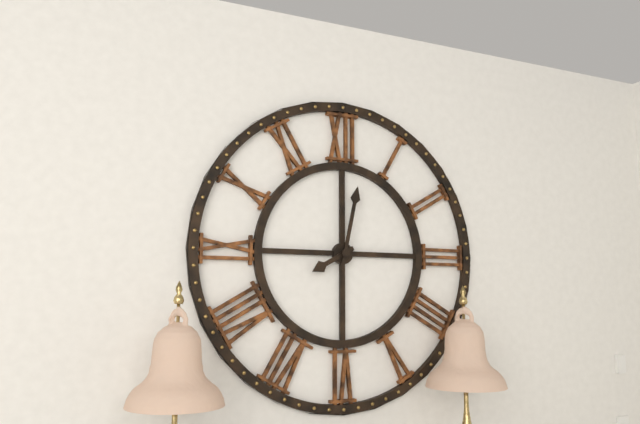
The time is 8,02
